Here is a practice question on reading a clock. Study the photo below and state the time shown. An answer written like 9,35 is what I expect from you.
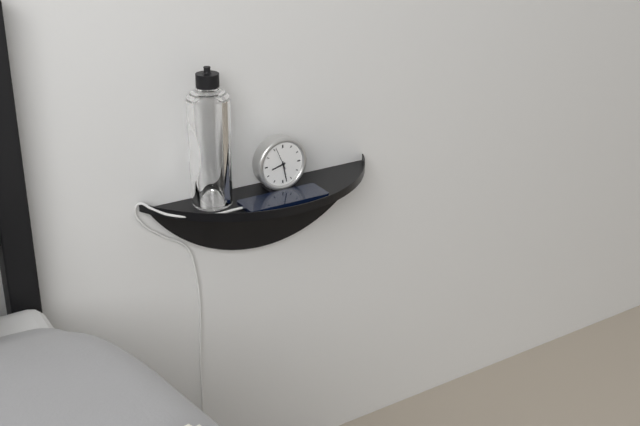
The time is 8,28
